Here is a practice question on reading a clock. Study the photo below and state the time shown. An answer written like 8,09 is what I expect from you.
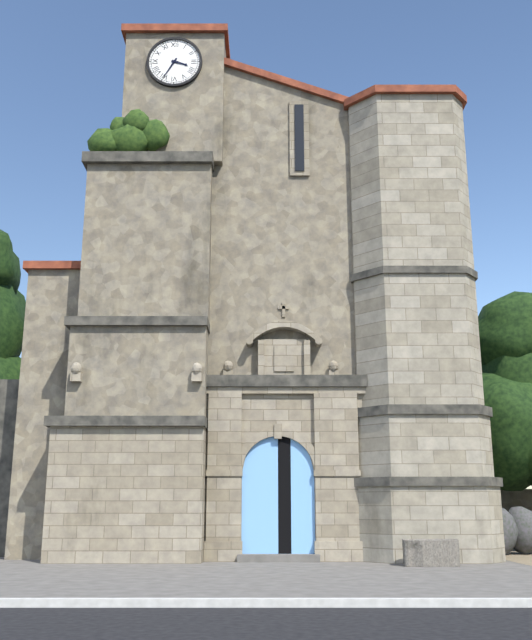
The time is 3,35
